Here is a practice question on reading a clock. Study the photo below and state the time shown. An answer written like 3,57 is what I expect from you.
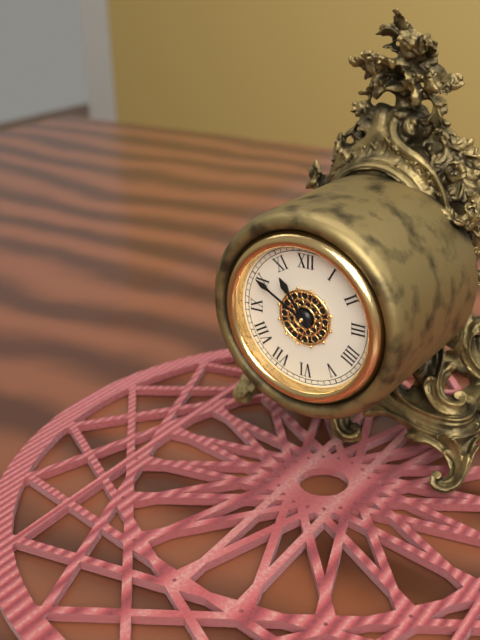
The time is 10,50
